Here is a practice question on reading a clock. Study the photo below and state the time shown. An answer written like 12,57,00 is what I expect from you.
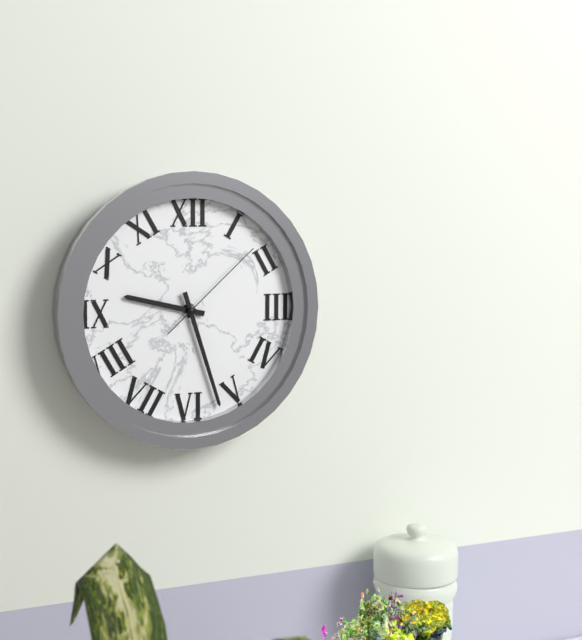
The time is 9,27,08
